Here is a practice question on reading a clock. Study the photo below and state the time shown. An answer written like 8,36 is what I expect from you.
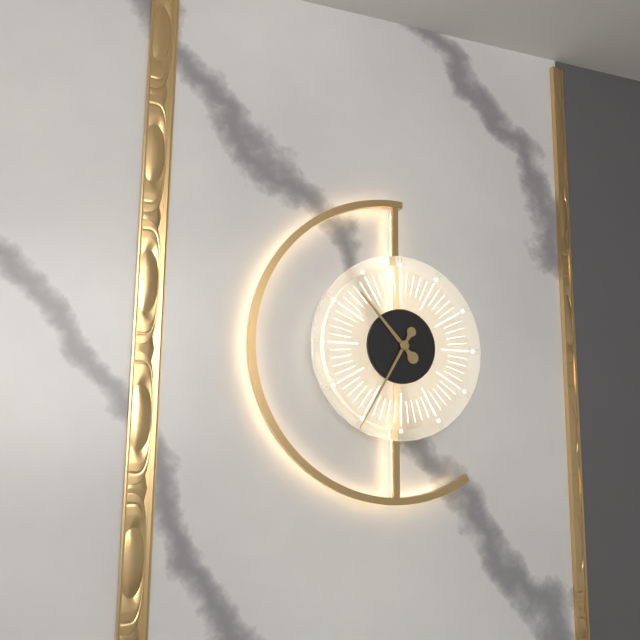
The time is 10,35
